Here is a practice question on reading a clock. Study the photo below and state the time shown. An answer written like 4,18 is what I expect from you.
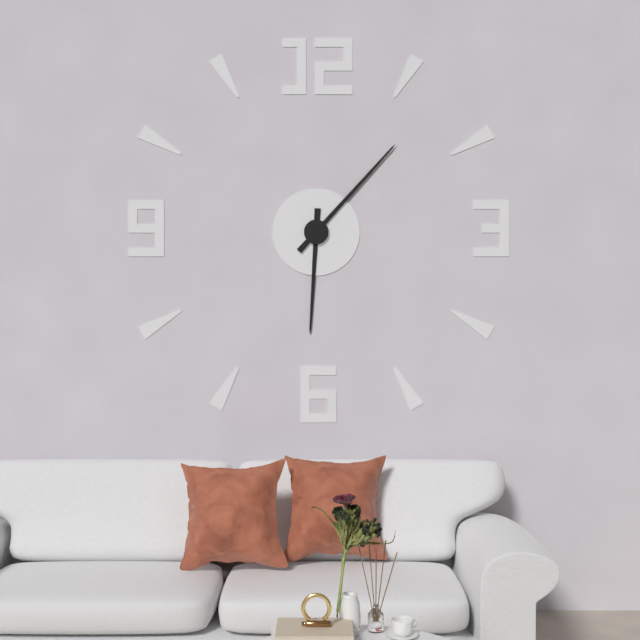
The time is 6,07
